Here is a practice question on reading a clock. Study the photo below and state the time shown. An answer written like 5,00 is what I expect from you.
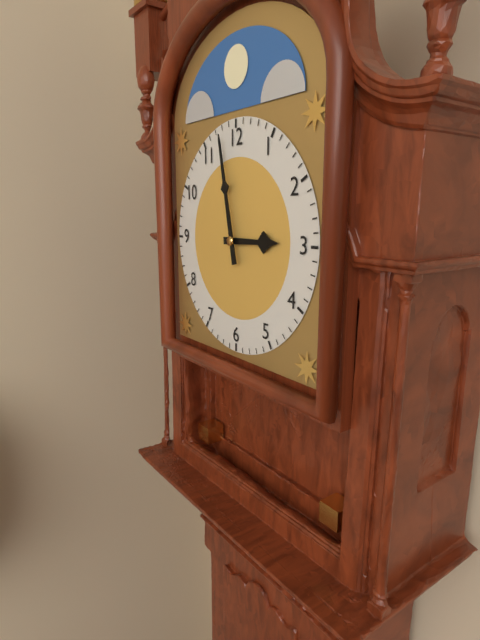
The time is 2,58
